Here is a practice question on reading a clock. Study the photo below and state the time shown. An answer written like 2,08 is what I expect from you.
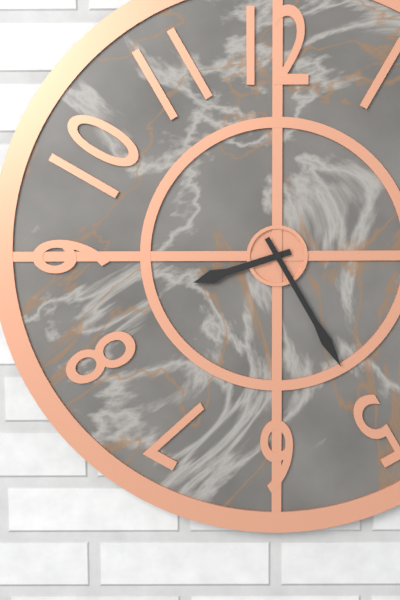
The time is 8,25
